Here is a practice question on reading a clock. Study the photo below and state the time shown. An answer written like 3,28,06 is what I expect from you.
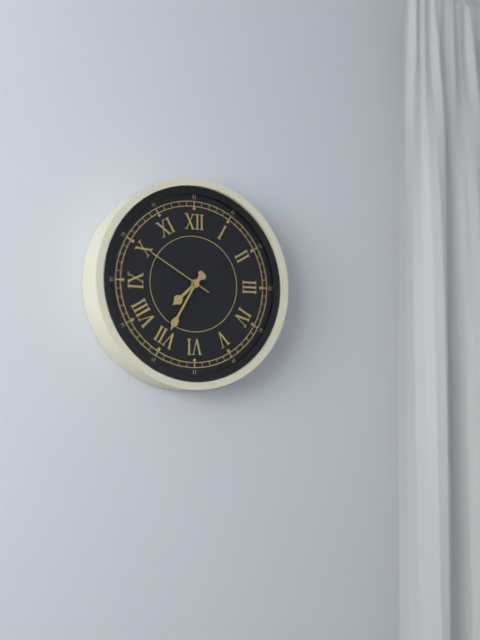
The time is 7,35,50
